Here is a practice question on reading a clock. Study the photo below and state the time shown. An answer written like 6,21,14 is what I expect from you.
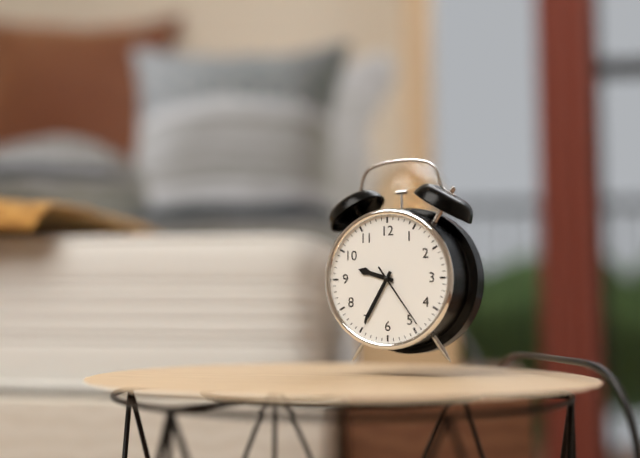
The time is 9,35,24
